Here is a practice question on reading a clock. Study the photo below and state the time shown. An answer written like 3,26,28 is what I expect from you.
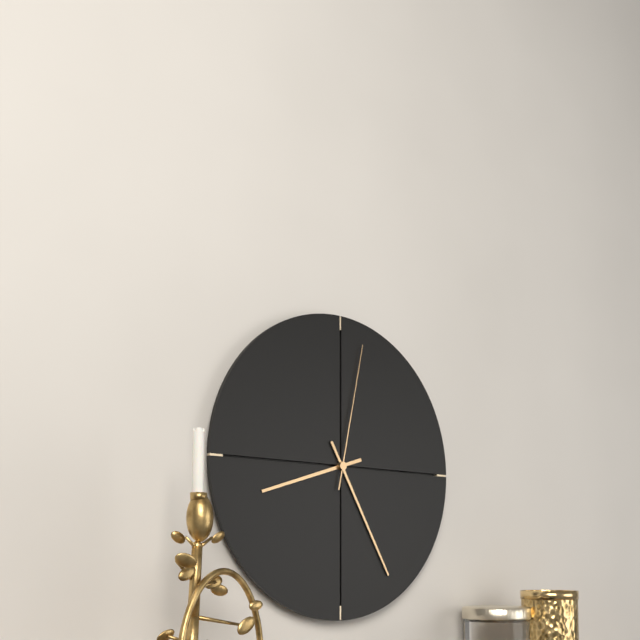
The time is 8,25,02
